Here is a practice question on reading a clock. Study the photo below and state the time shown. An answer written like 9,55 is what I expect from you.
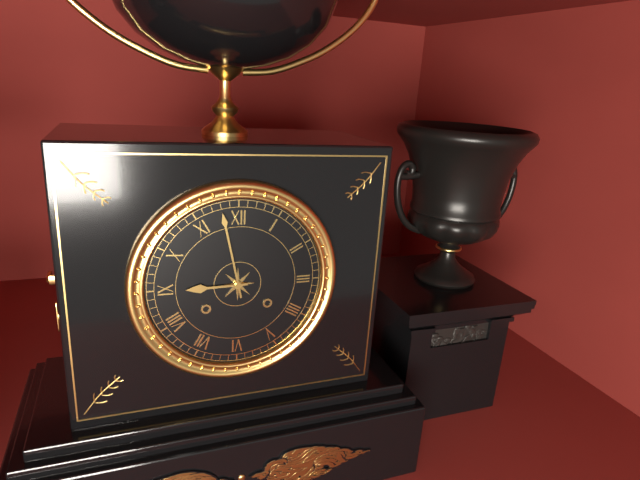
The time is 8,58
